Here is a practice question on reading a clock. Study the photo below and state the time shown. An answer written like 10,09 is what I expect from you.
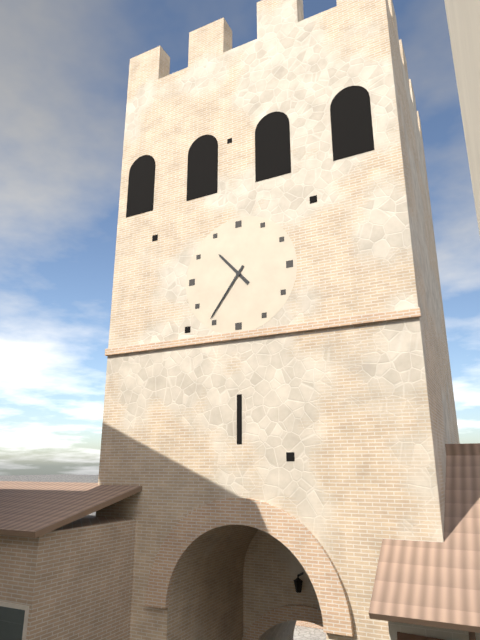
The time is 10,36
